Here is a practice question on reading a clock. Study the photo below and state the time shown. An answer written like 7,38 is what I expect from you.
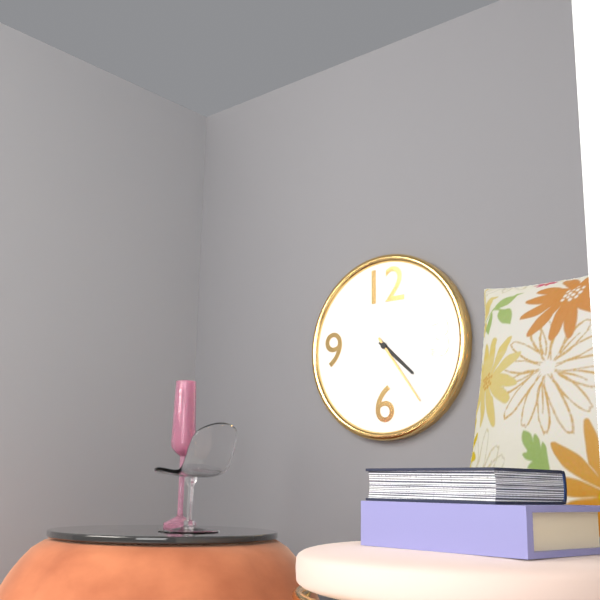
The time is 4,24
